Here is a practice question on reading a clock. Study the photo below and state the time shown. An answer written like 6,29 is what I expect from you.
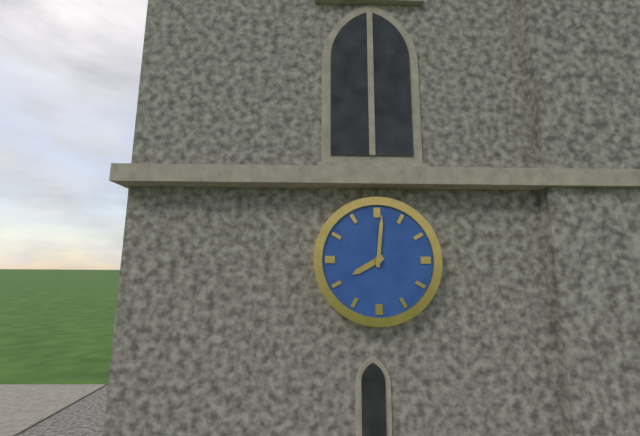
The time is 8,01
